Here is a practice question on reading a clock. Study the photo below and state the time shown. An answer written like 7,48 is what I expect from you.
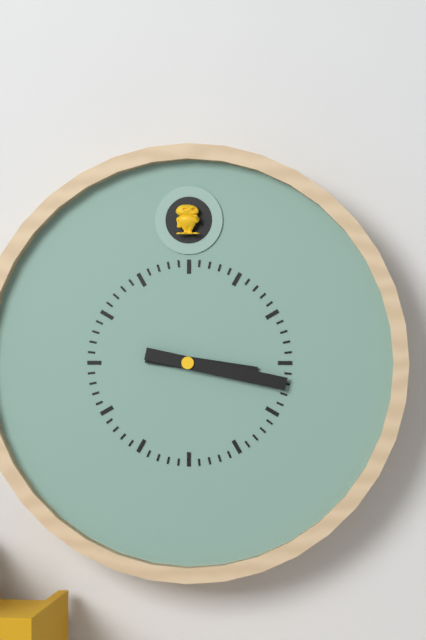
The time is 3,17
